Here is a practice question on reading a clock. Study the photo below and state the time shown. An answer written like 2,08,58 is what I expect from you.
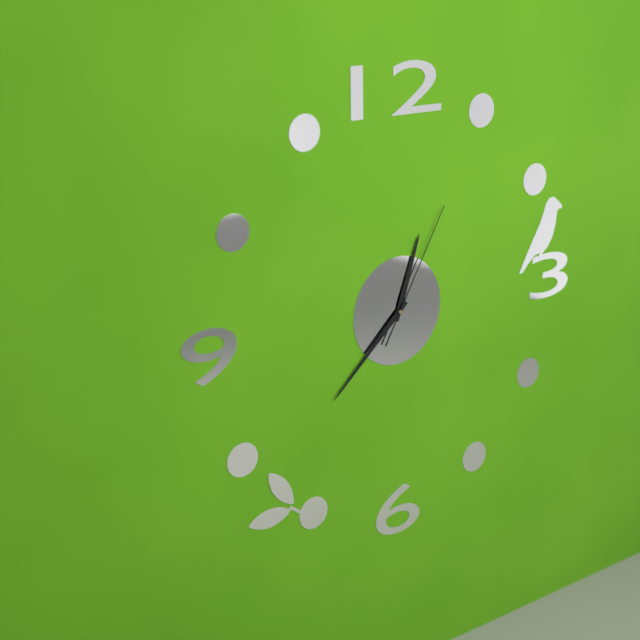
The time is 12,38,05
